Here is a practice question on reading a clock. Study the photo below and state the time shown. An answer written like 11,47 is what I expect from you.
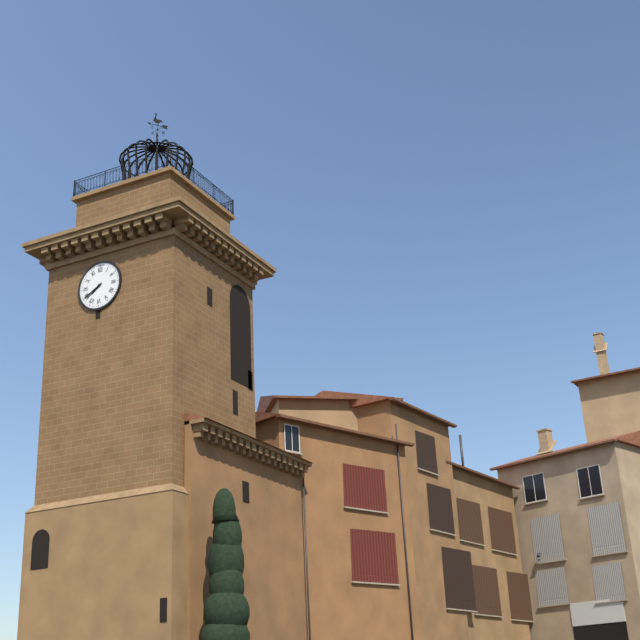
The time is 7,40
